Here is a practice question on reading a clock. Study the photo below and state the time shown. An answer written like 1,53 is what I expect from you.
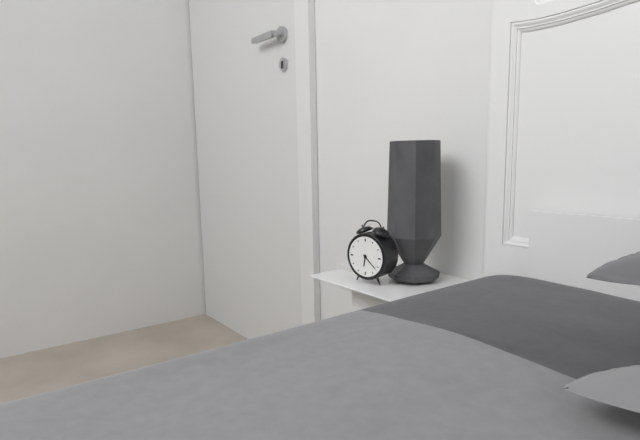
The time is 6,22
